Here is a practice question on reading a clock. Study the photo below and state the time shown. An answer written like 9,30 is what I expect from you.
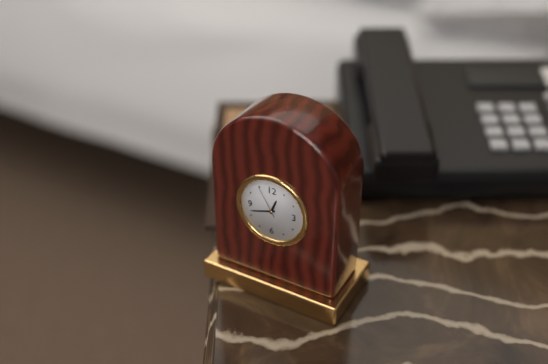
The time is 12,42
